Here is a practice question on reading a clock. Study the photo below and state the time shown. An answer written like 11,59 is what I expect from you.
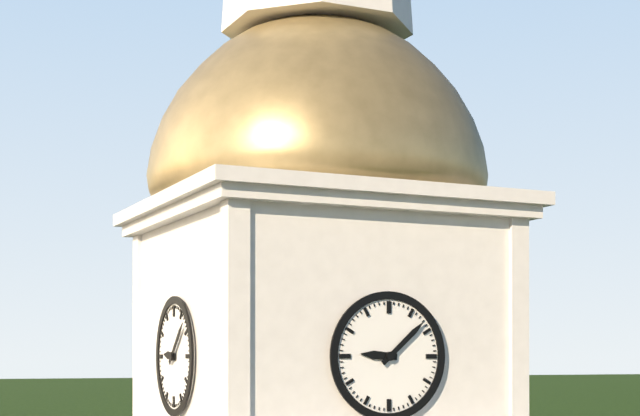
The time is 9,08
